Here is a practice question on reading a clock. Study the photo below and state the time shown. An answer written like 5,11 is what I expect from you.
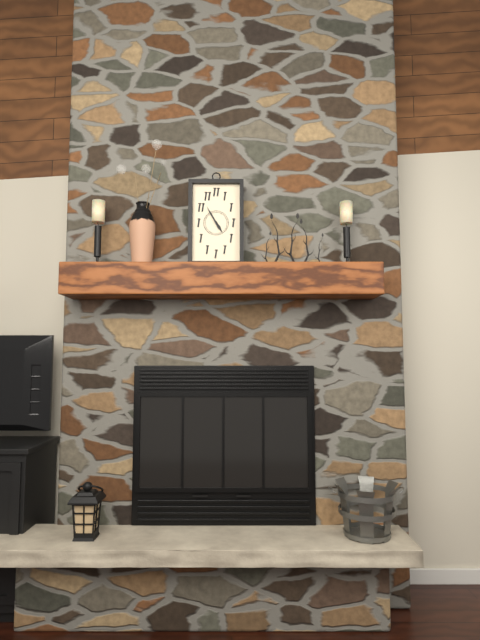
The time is 4,55
